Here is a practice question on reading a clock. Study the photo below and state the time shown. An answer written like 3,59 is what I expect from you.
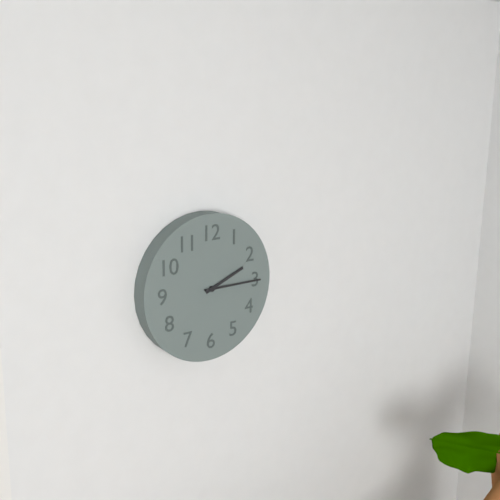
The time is 2,15
